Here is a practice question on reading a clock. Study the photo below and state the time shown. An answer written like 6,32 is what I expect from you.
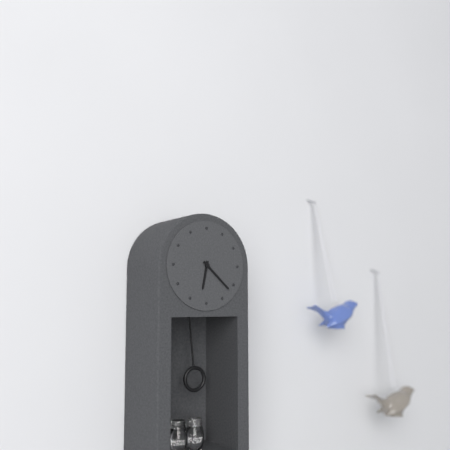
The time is 6,22
